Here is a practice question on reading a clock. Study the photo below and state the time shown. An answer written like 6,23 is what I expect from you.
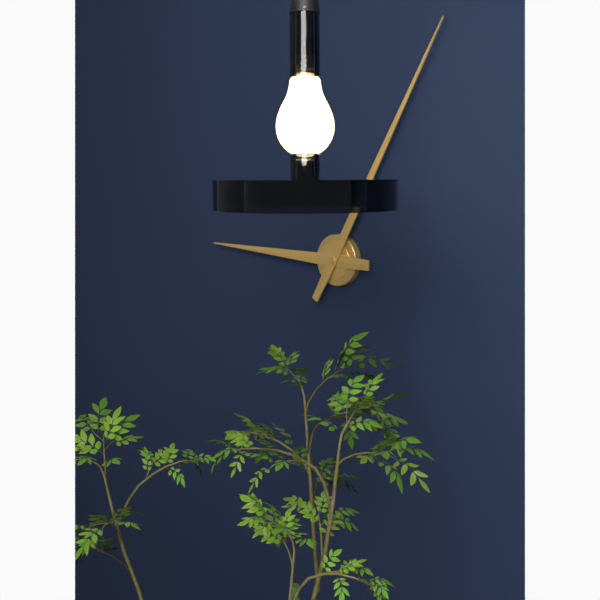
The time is 9,05
